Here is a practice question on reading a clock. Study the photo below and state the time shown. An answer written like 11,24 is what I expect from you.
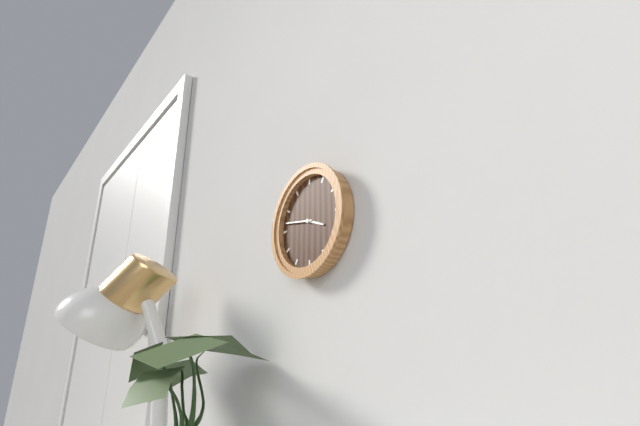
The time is 3,47
